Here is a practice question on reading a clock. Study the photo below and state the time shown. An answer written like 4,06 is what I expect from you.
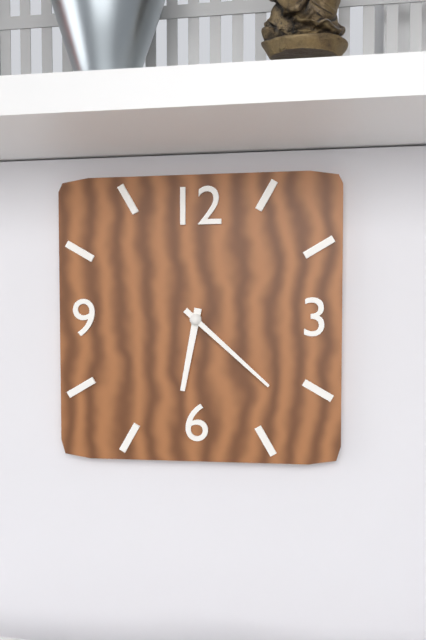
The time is 6,22
